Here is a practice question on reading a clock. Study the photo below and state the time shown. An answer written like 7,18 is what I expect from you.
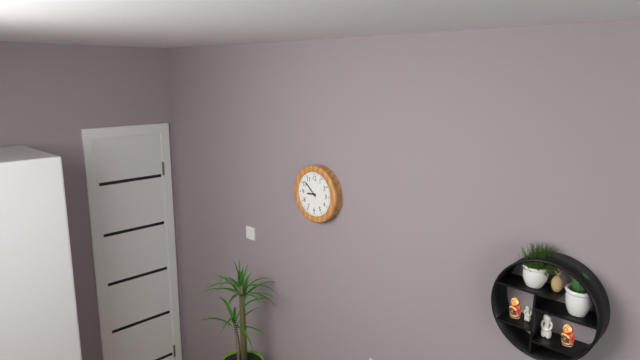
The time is 8,52
